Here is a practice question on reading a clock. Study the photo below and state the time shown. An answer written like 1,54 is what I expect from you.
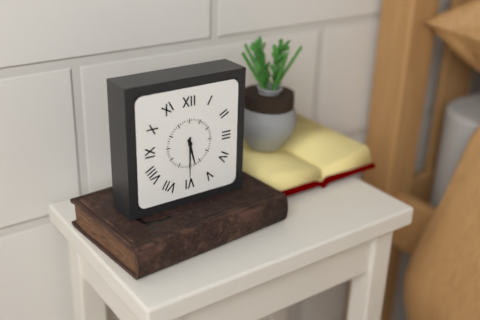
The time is 5,30
